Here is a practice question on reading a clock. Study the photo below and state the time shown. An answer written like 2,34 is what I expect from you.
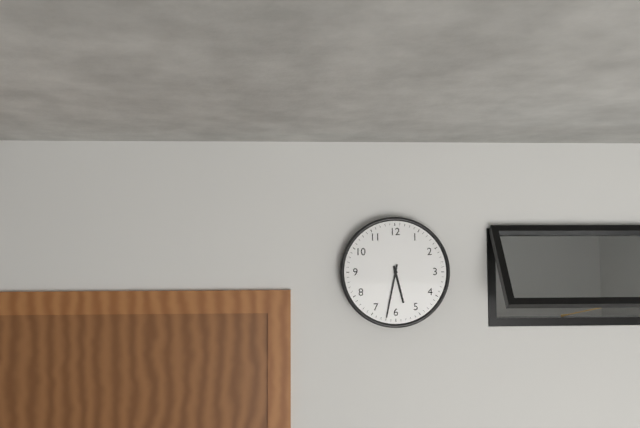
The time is 5,32
